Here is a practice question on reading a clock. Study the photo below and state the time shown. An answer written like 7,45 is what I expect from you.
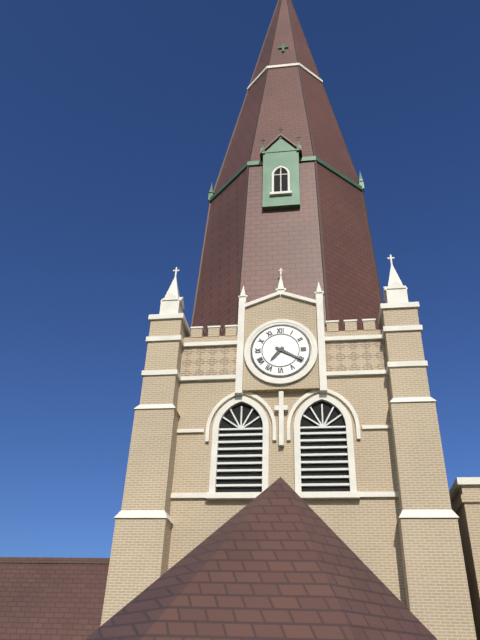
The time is 7,20
